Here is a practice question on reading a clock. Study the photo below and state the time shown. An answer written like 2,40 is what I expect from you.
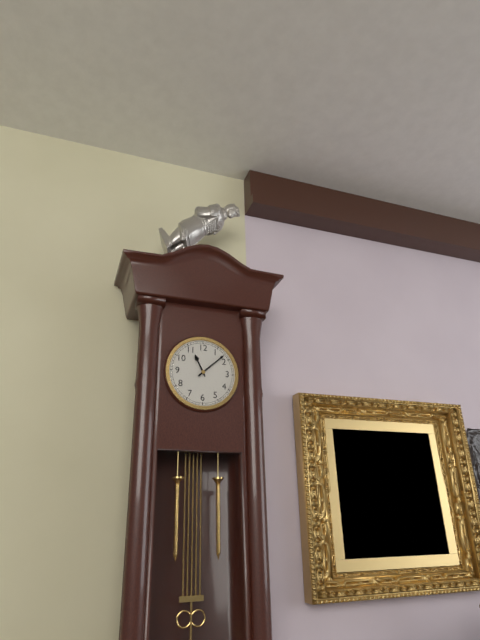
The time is 11,08
